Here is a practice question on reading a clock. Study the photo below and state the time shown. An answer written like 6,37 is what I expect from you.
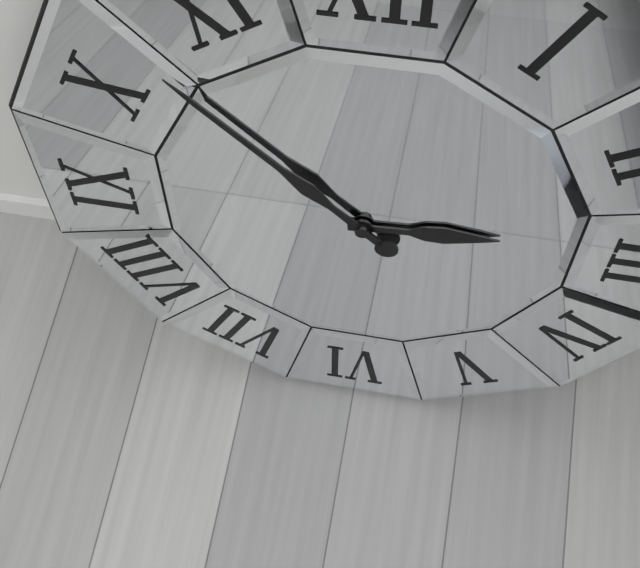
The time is 2,52
